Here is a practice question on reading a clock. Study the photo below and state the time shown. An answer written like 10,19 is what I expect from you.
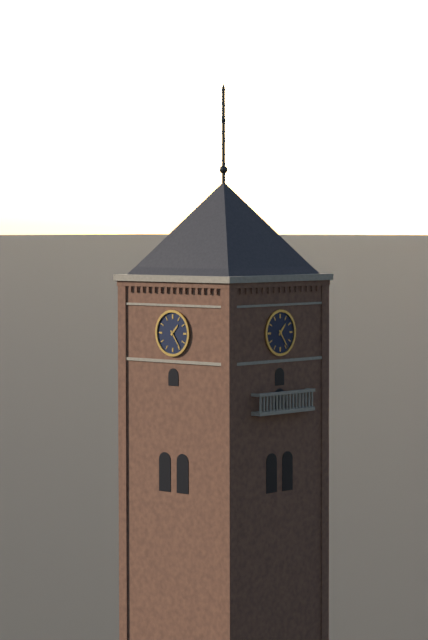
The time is 1,24
